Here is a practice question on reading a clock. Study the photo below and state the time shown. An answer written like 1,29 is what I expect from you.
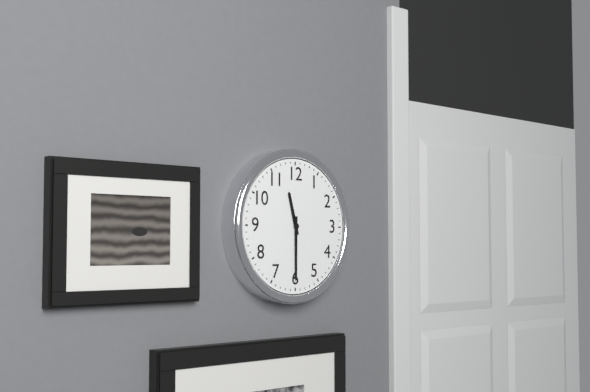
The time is 11,30
